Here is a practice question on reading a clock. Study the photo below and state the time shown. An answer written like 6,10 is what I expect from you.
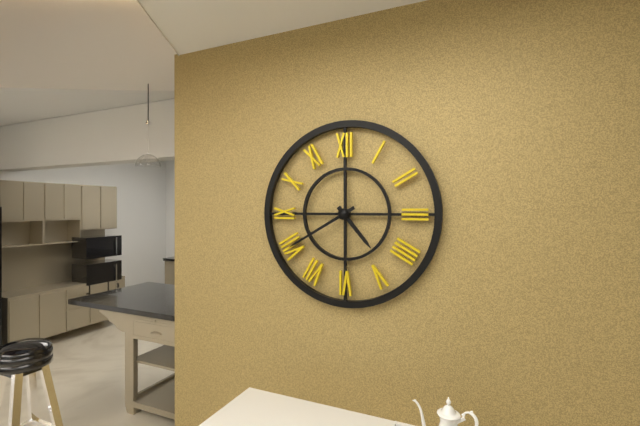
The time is 4,40
